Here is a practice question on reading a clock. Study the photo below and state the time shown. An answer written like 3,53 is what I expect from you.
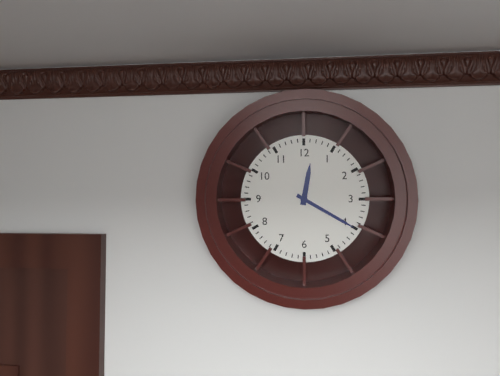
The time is 12,20
